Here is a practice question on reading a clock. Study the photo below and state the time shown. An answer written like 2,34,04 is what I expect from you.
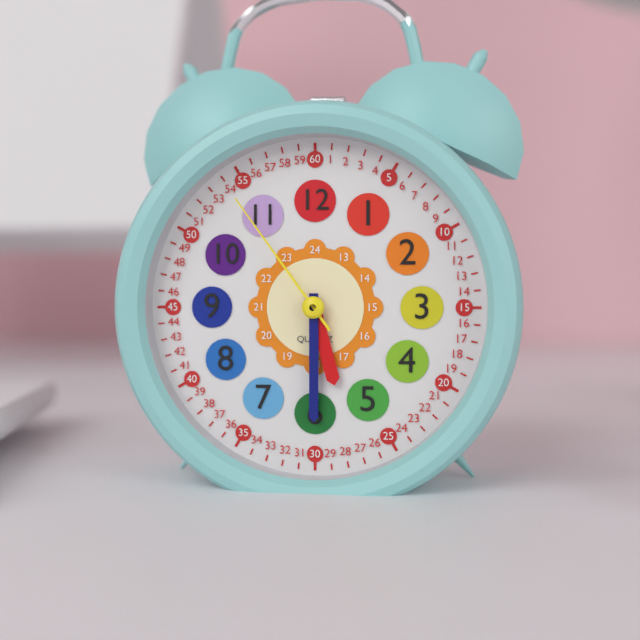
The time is 5,30,54
